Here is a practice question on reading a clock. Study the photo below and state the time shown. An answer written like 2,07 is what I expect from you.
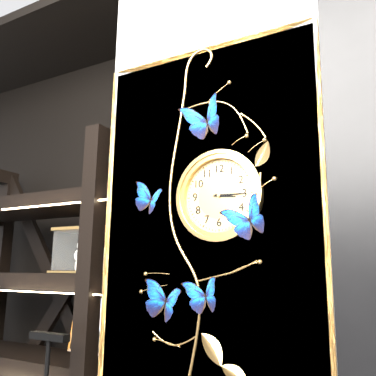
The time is 3,15
